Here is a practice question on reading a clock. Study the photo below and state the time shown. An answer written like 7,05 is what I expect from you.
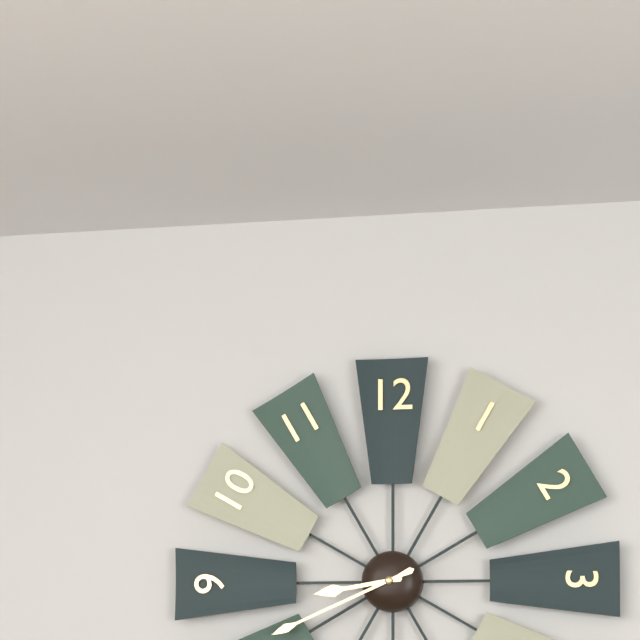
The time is 8,41
